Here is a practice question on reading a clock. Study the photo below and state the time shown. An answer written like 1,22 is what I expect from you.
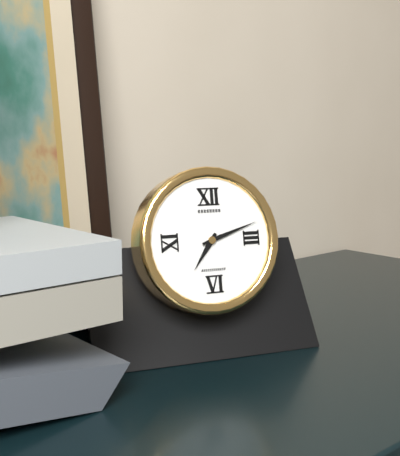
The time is 7,12
